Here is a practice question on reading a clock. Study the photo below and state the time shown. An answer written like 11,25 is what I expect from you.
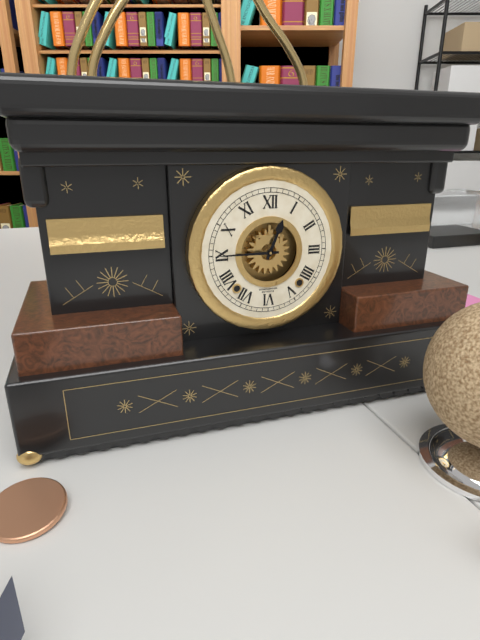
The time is 12,45
